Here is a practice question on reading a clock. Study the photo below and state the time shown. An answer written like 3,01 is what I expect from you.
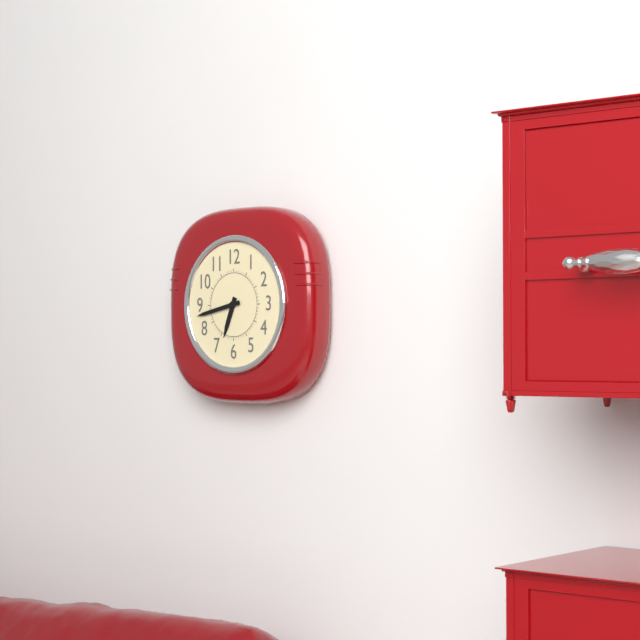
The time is 6,43
